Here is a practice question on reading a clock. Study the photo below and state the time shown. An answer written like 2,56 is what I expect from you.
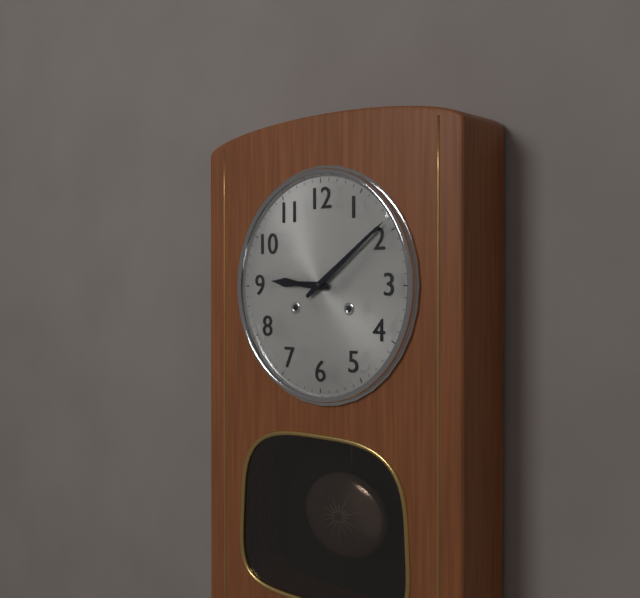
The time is 9,09
